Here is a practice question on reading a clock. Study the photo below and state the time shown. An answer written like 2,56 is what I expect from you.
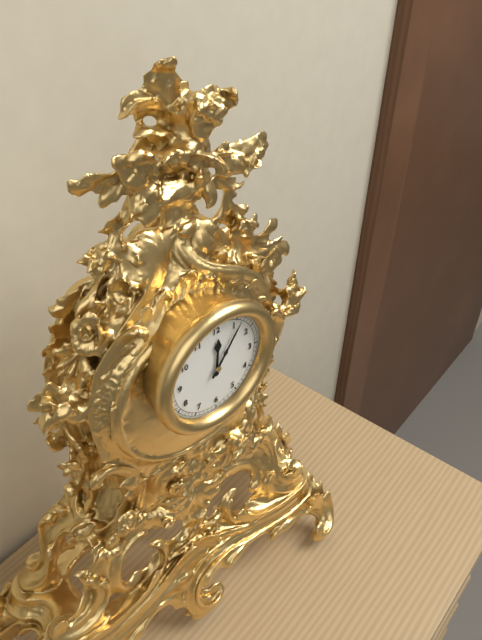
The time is 12,06
